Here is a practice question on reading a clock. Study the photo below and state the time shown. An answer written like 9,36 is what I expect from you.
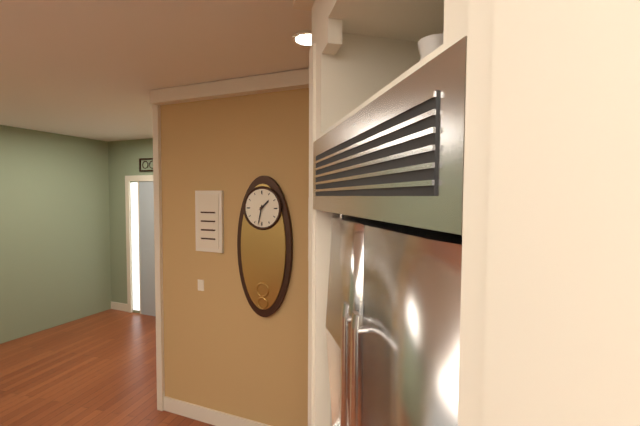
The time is 1,32
